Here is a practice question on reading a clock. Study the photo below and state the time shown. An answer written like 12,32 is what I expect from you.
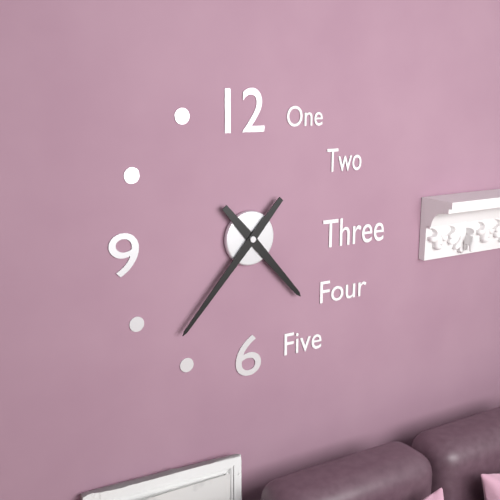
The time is 4,37
